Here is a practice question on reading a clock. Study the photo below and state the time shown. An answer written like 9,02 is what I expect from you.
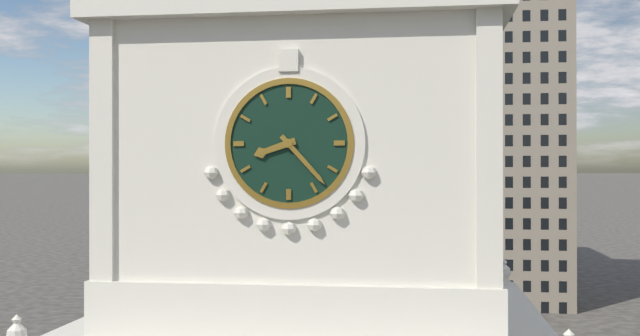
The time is 8,23
